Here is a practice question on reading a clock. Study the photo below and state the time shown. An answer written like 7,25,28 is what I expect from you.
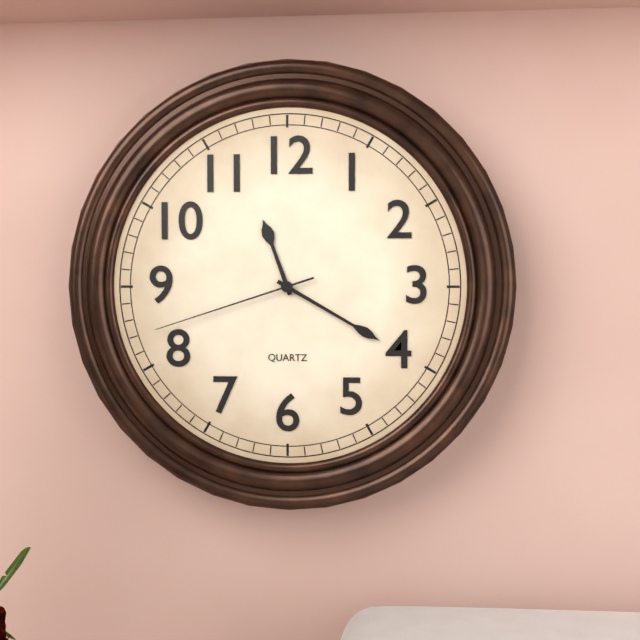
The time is 11,20,42
